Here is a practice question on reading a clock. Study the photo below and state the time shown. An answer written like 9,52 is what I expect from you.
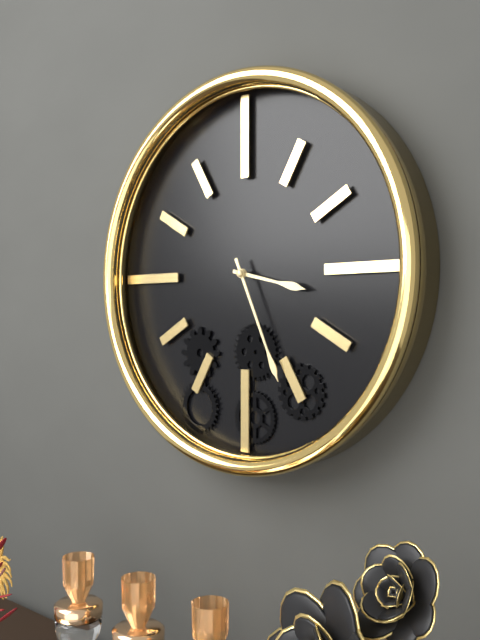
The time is 3,26
